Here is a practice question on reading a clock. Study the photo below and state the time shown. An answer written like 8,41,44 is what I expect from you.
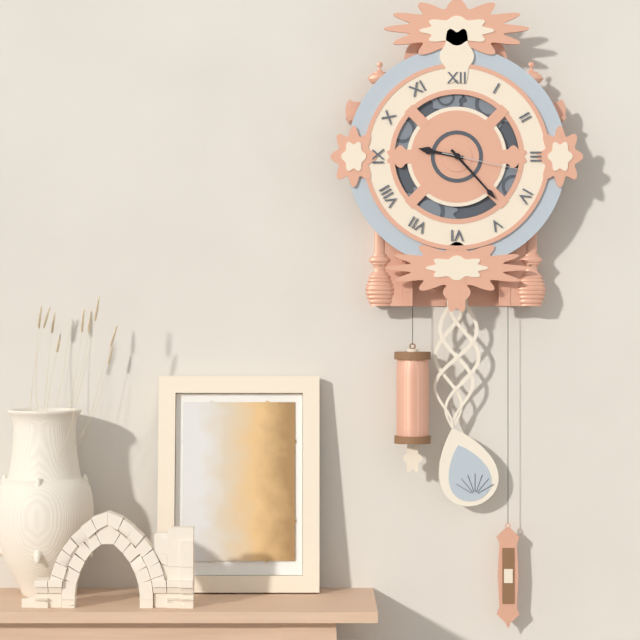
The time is 9,23,17
